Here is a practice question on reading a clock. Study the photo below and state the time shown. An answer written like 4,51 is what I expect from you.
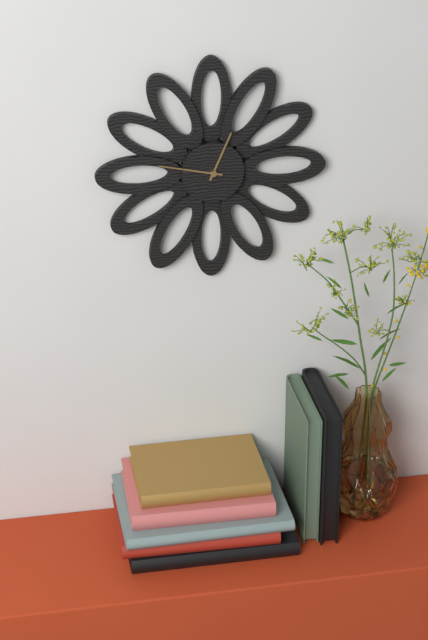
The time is 12,47
